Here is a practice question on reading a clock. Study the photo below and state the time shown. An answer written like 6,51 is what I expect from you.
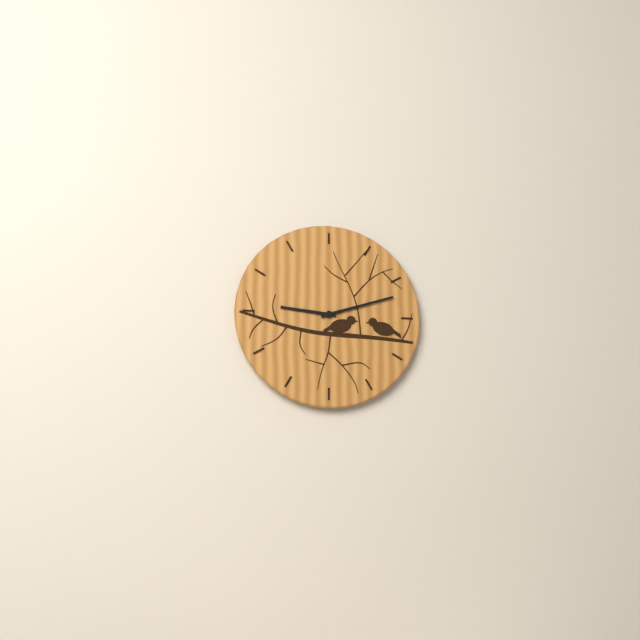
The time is 9,12
